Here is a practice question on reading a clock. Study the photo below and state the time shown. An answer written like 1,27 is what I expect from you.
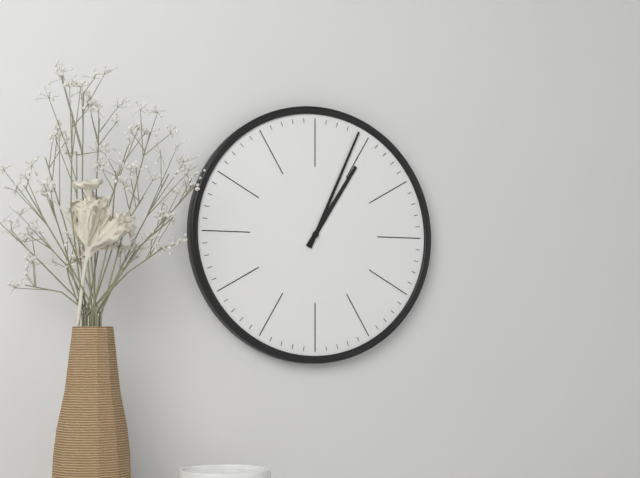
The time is 1,04
